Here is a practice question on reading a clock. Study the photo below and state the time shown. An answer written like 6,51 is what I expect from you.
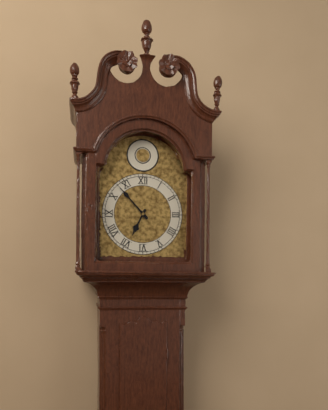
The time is 6,53
